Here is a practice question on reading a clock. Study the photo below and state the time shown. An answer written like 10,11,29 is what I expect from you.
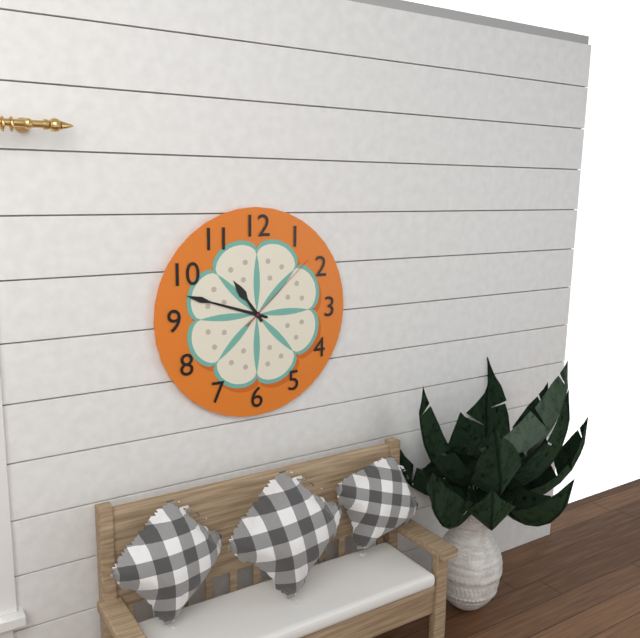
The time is 10,48,08
